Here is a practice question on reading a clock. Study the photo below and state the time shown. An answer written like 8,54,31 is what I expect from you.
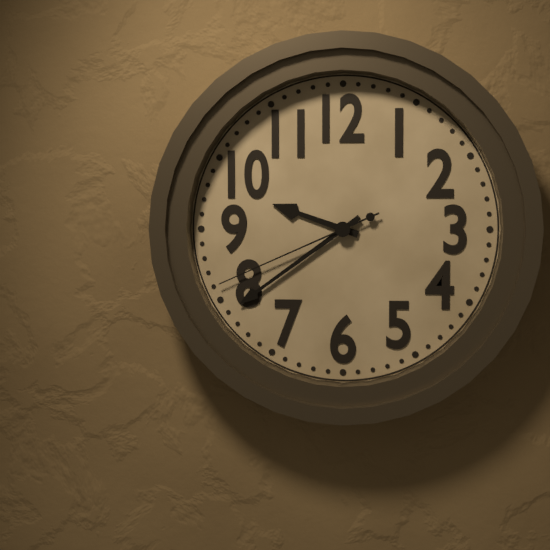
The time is 9,39,41
